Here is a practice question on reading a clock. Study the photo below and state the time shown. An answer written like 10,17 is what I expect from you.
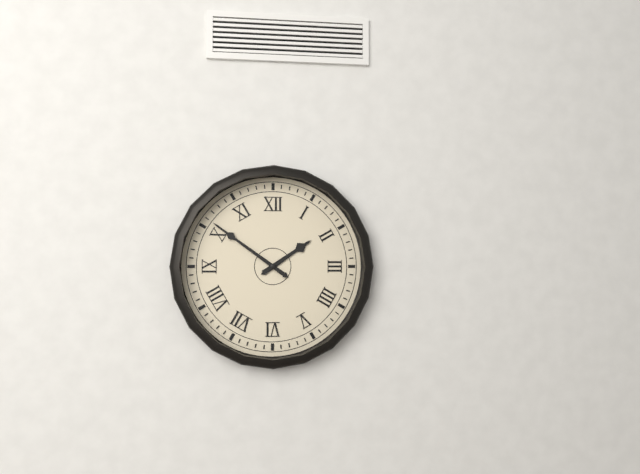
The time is 1,51
